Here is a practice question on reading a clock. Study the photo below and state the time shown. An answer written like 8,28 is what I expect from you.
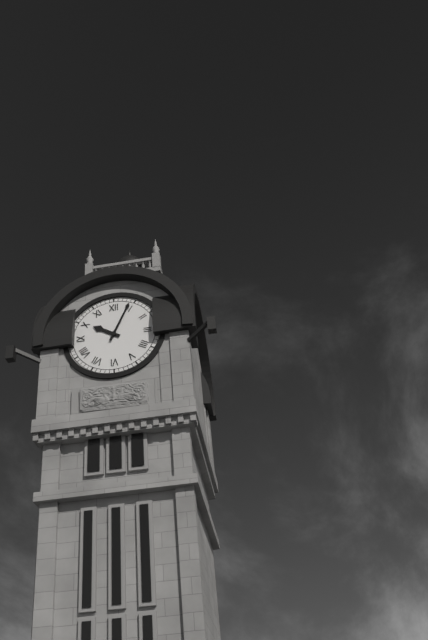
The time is 10,04
